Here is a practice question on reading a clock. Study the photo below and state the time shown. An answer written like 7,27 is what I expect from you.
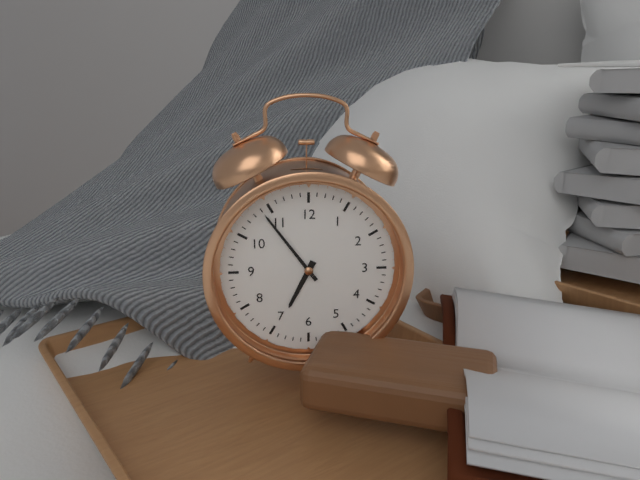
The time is 6,54
